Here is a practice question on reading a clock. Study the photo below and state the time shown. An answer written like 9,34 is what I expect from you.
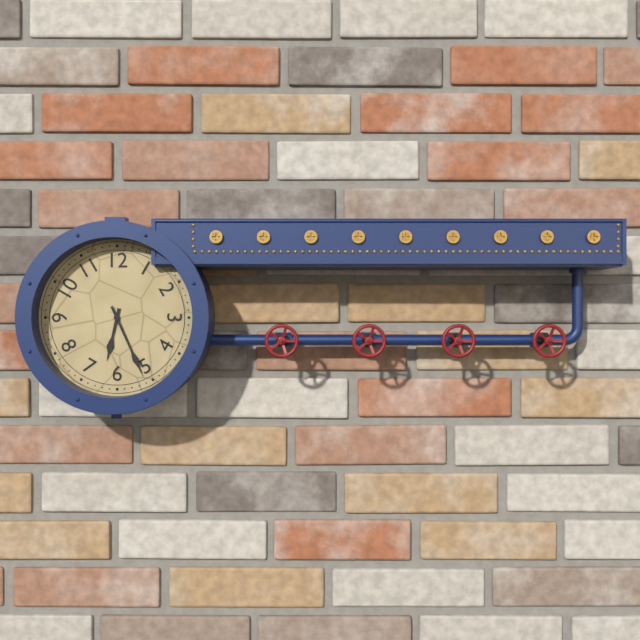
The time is 6,26
